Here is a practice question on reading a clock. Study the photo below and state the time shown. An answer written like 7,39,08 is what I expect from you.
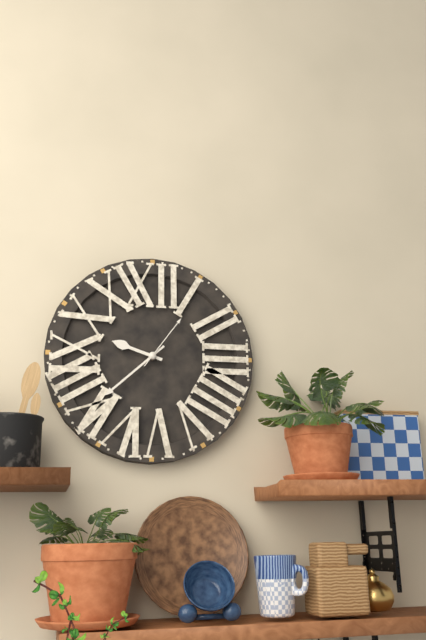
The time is 9,38,06
